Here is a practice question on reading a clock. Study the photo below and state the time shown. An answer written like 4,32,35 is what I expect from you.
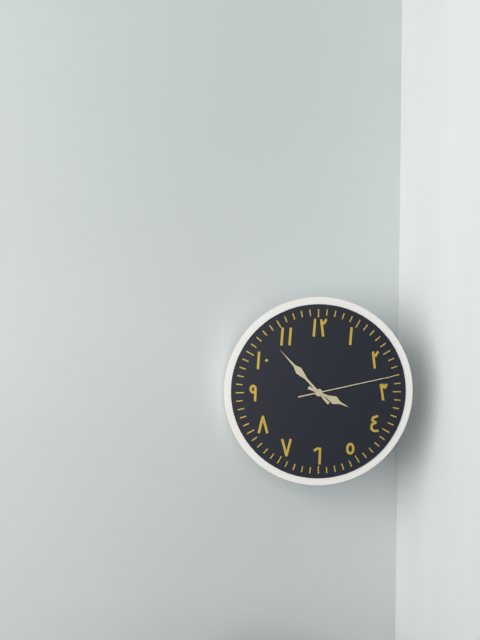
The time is 3,53,13
